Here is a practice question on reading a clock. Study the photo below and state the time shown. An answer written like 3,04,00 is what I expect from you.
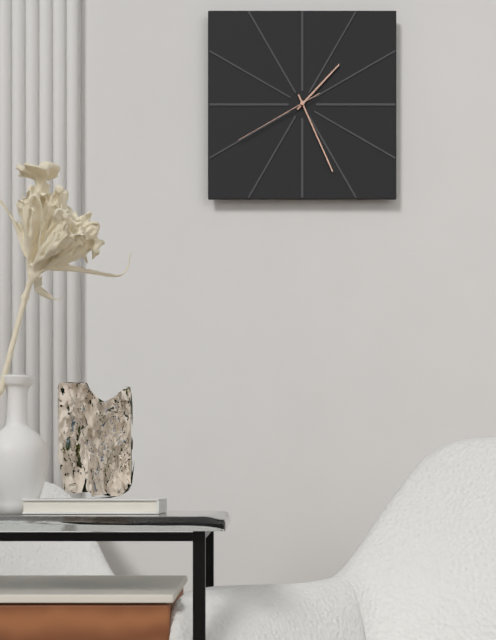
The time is 1,26,40
